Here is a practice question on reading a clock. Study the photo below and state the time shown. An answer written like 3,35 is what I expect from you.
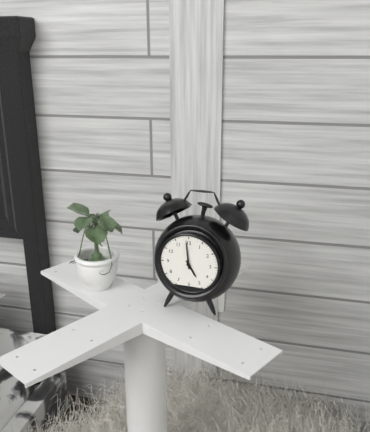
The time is 4,59
